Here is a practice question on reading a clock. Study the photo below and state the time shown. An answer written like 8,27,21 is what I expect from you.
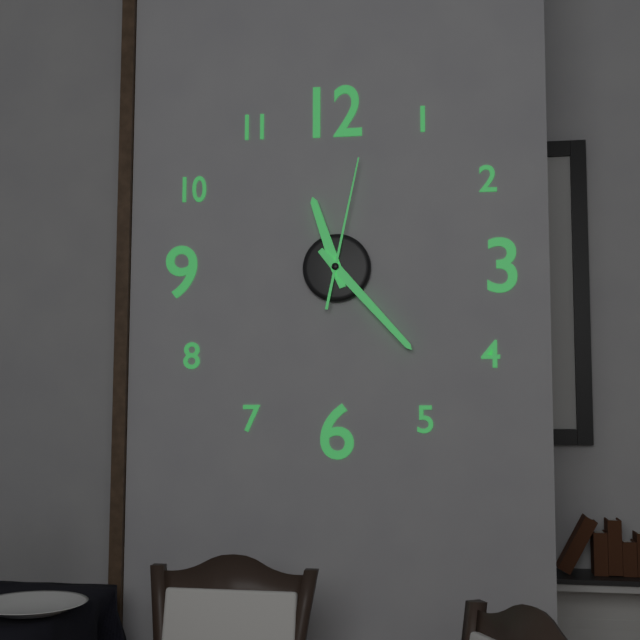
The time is 11,23,02
